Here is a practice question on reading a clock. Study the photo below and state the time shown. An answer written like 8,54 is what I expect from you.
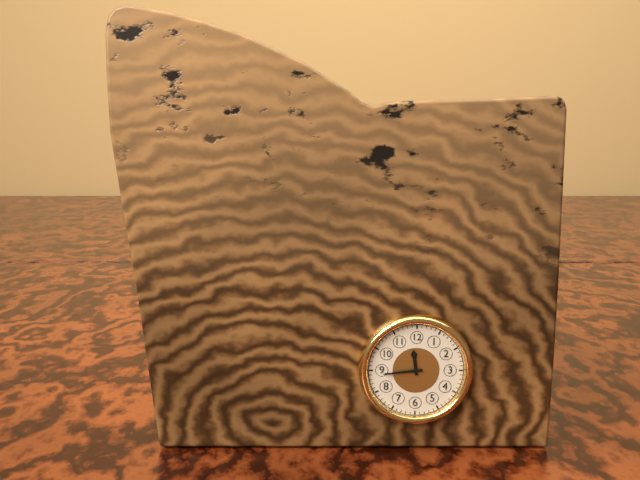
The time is 11,44
